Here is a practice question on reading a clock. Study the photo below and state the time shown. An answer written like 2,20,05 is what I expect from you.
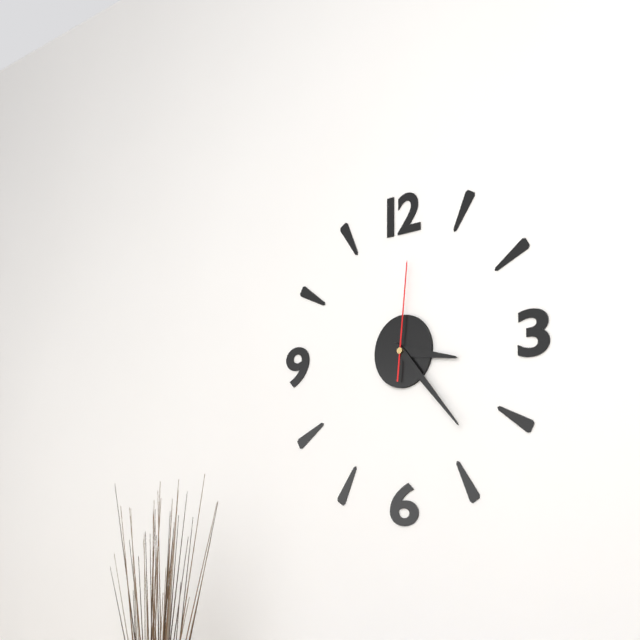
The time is 3,23,01
